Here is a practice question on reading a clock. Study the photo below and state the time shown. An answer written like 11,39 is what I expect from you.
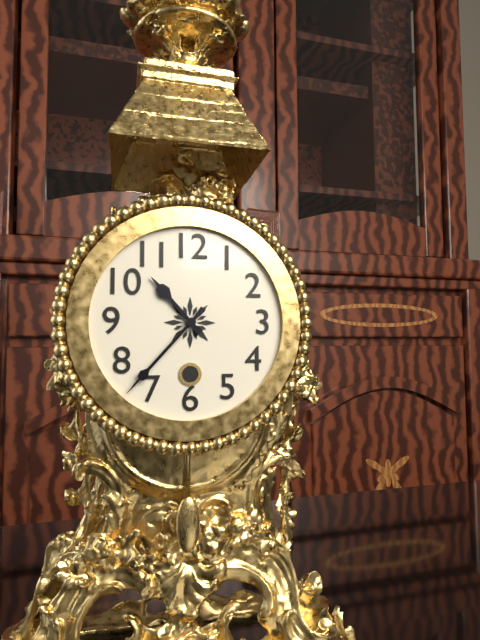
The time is 10,37
